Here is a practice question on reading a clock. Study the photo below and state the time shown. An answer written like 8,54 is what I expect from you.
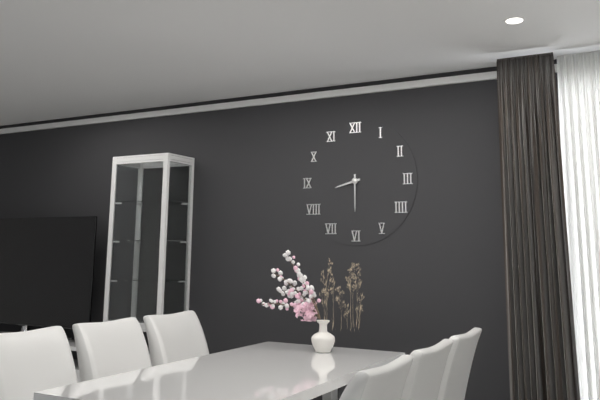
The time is 8,30
